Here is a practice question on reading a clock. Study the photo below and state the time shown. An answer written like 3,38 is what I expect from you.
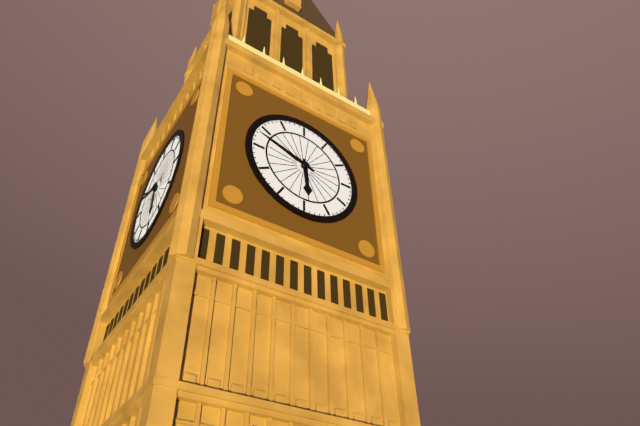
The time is 5,48
